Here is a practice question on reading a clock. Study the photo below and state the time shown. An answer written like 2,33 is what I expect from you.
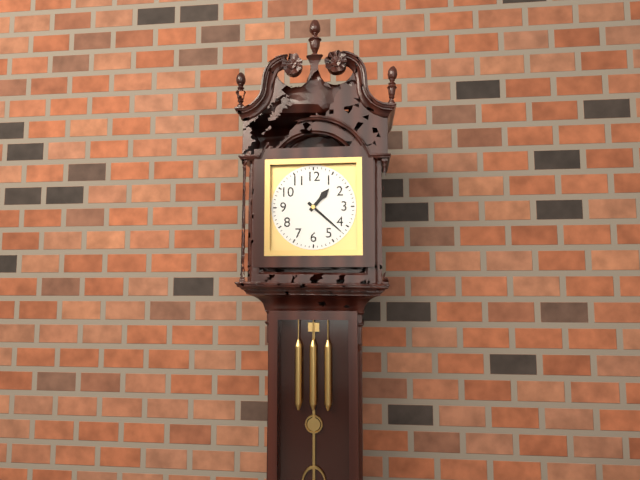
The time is 1,22
